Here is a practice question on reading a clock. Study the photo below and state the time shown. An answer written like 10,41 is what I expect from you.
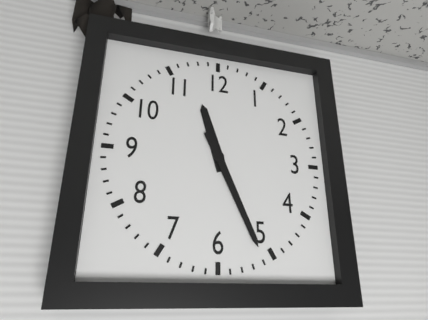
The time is 11,26
